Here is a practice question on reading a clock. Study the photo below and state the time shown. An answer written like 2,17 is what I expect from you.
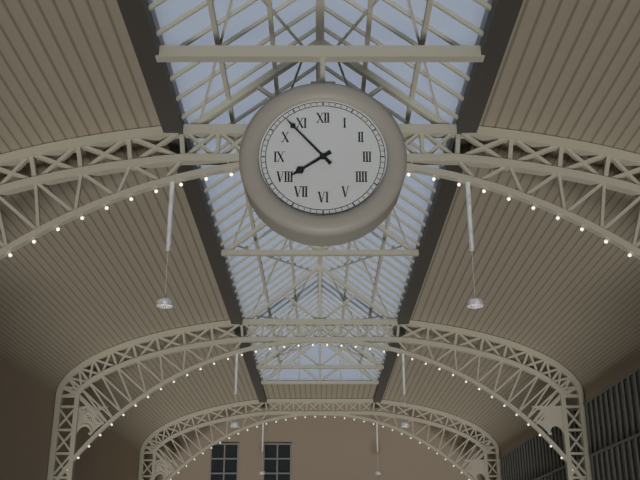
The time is 7,53
